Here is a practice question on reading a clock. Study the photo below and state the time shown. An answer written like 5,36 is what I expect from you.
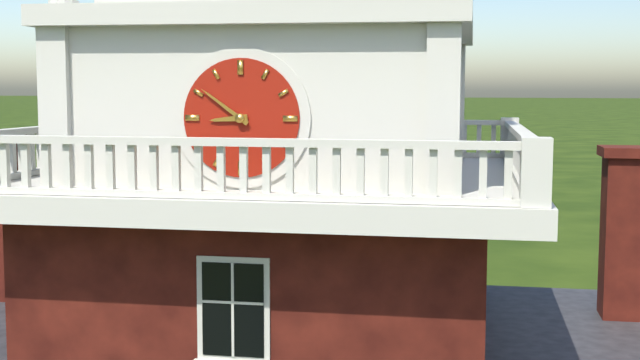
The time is 8,51
